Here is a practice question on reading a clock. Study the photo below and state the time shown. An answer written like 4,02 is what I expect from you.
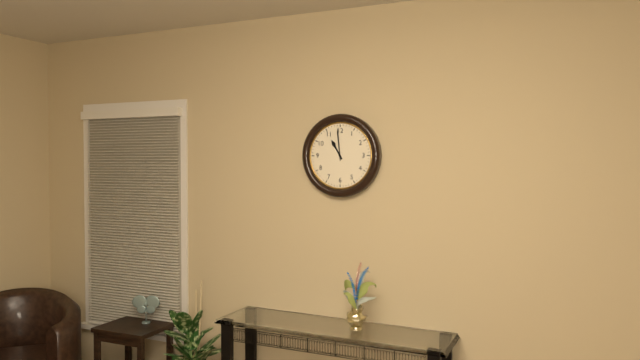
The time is 10,59
